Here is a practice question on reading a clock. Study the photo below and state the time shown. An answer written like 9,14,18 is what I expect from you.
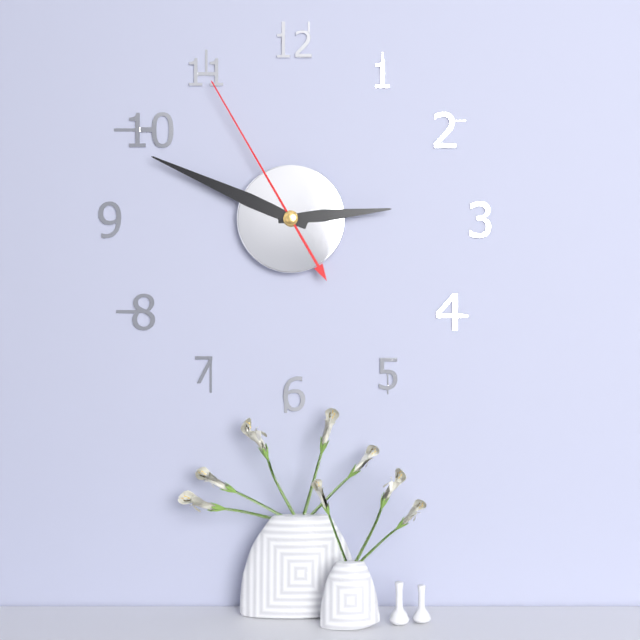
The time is 2,49,55
